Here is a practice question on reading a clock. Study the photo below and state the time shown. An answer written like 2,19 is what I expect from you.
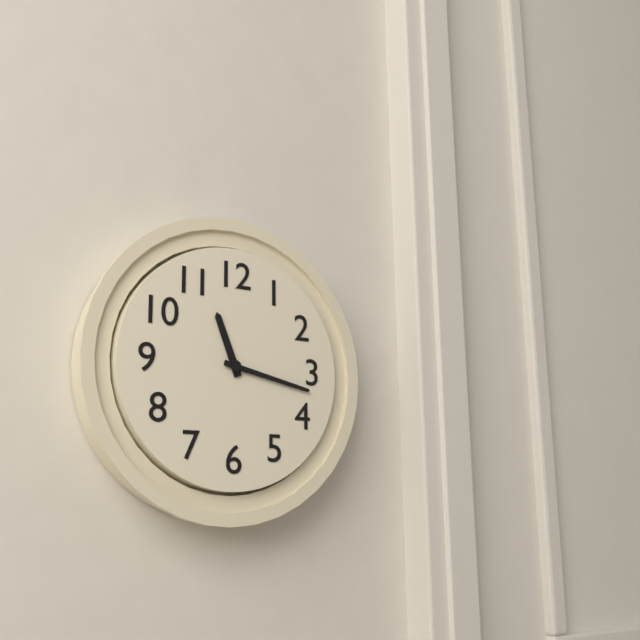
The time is 11,17
